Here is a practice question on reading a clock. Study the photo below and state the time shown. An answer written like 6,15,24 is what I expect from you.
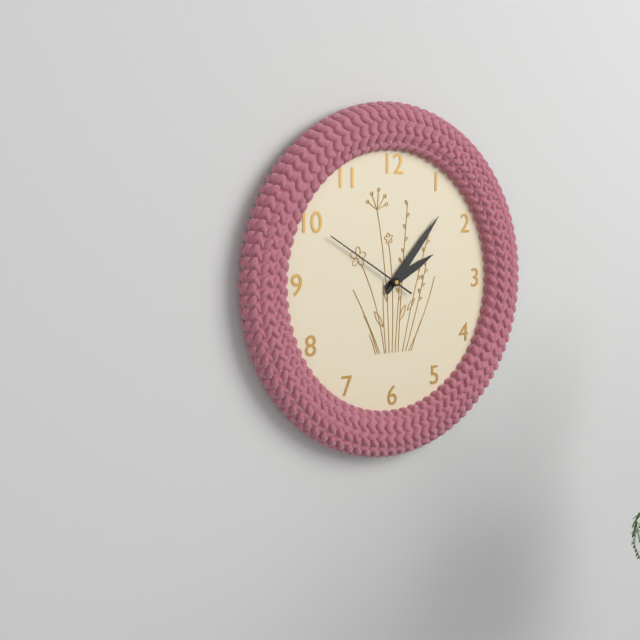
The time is 2,07,50
